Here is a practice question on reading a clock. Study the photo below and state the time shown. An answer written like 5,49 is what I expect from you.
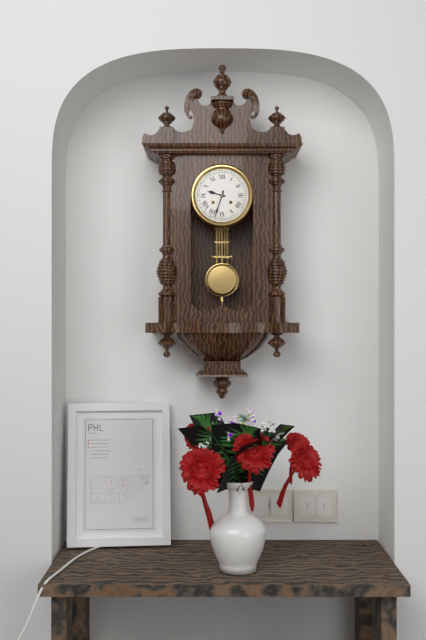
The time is 9,33
